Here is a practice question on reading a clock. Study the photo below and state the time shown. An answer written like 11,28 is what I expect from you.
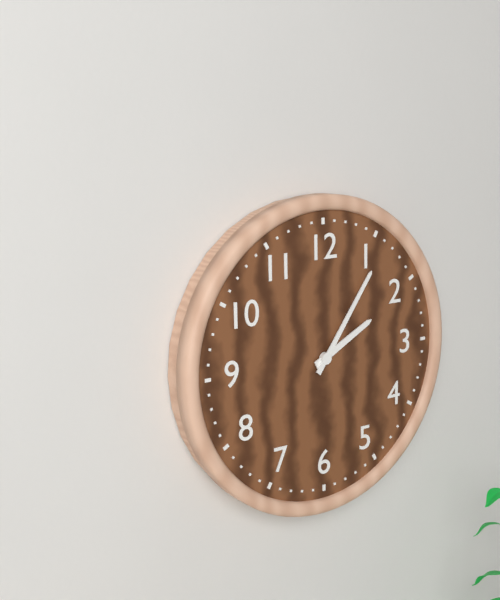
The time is 2,06
